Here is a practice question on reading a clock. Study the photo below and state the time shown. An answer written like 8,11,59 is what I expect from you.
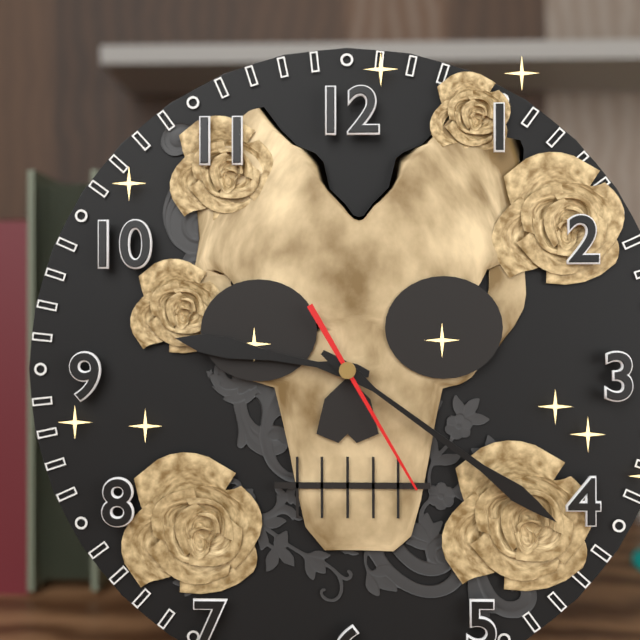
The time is 9,21,25
